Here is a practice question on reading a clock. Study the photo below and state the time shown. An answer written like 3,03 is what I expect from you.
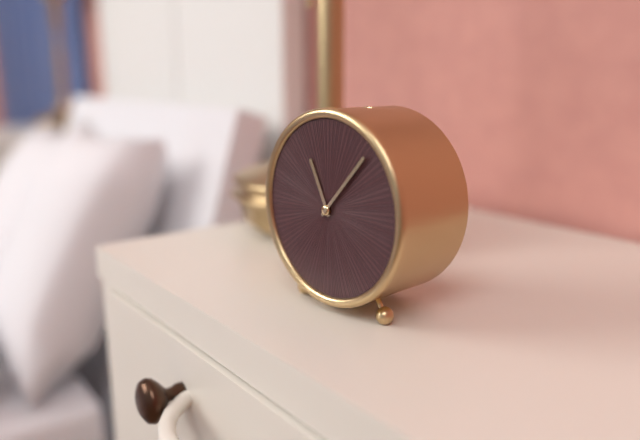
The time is 11,07
